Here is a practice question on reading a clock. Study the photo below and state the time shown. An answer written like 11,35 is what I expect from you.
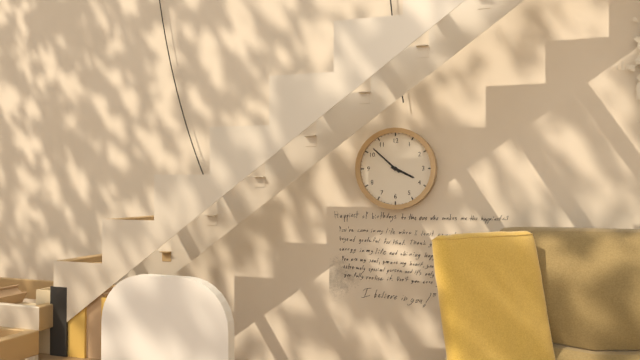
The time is 3,52
